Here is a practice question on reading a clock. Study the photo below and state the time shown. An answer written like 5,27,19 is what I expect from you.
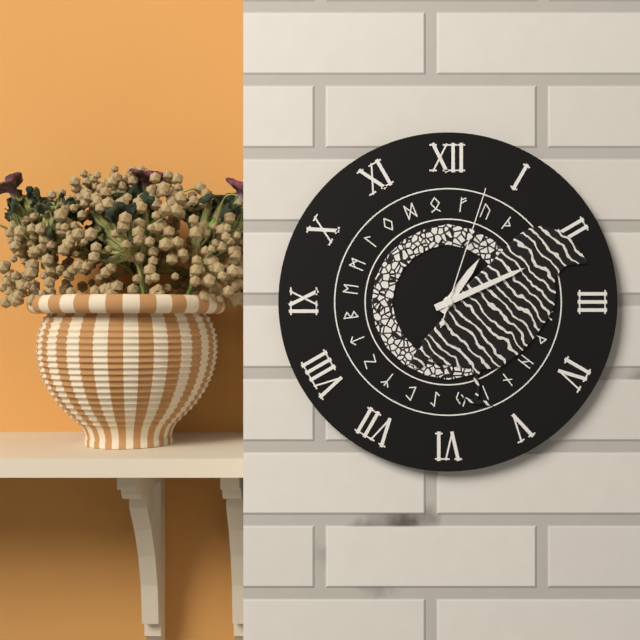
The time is 1,11,03
